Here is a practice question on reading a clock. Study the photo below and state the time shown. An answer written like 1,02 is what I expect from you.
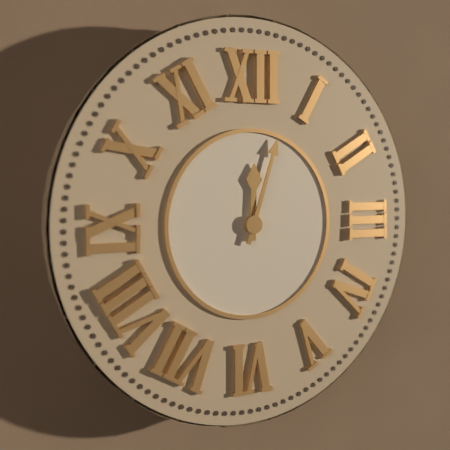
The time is 12,03
